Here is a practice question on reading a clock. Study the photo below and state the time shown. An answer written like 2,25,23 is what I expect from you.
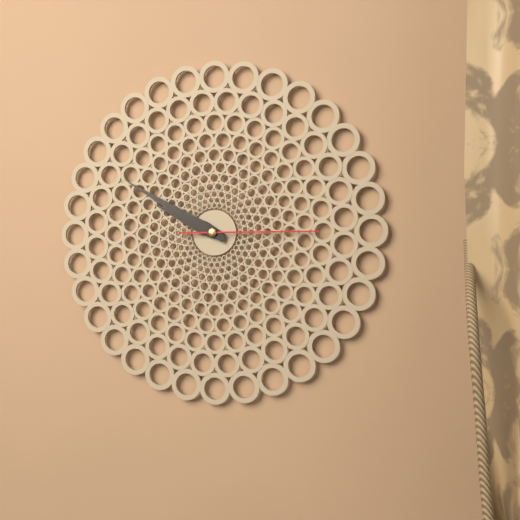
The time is 9,50,15
